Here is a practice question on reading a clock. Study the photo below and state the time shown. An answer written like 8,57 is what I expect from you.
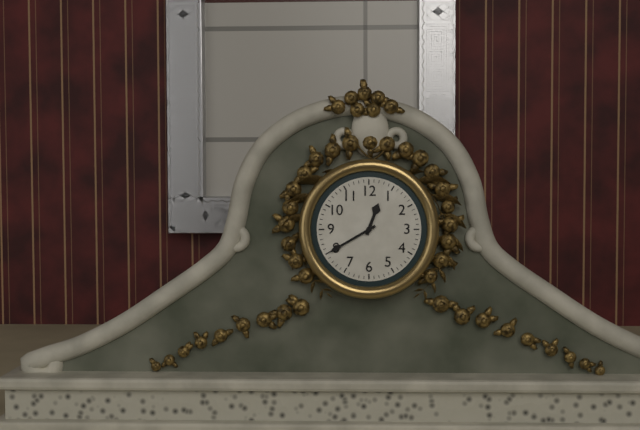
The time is 12,40
